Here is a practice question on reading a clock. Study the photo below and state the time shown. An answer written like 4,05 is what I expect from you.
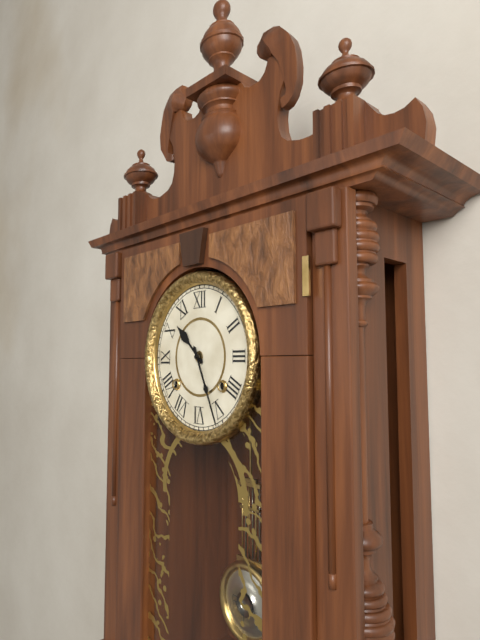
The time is 10,26
